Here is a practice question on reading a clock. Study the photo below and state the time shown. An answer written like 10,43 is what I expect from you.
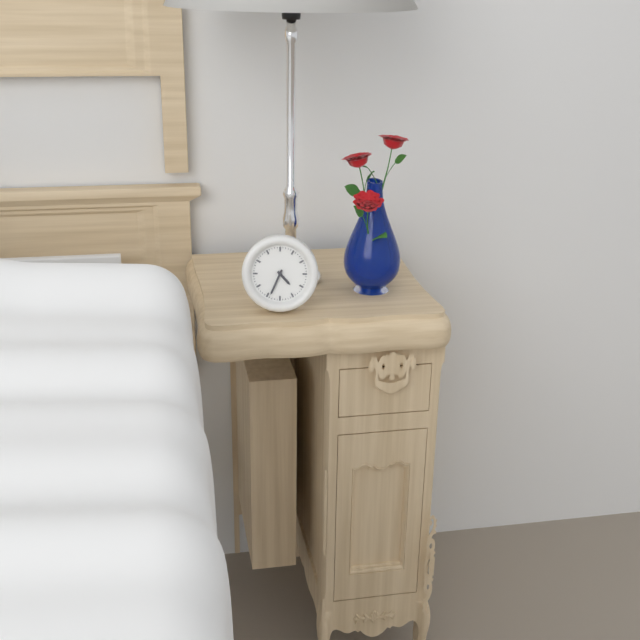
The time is 4,34
